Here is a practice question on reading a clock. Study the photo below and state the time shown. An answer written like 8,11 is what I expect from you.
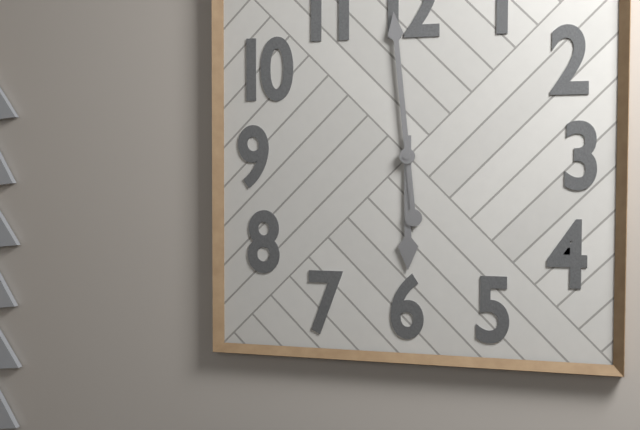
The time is 5,59
